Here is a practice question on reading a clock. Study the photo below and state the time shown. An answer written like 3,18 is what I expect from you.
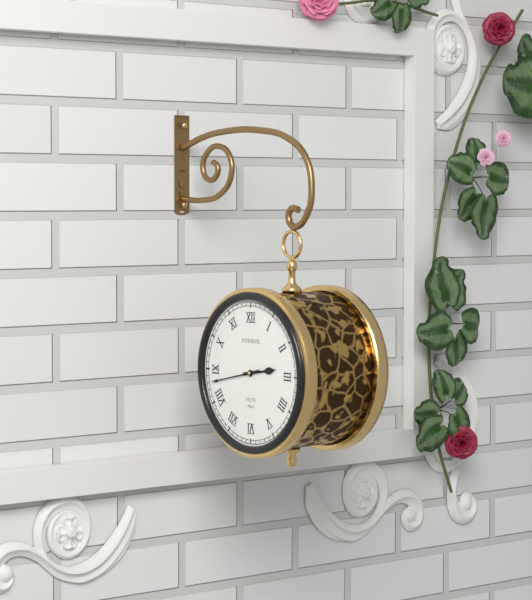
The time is 2,43
